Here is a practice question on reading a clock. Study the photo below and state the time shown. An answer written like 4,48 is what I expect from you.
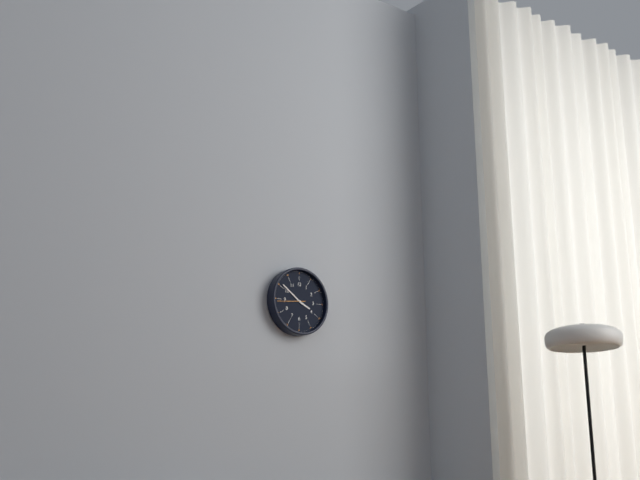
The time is 3,51
